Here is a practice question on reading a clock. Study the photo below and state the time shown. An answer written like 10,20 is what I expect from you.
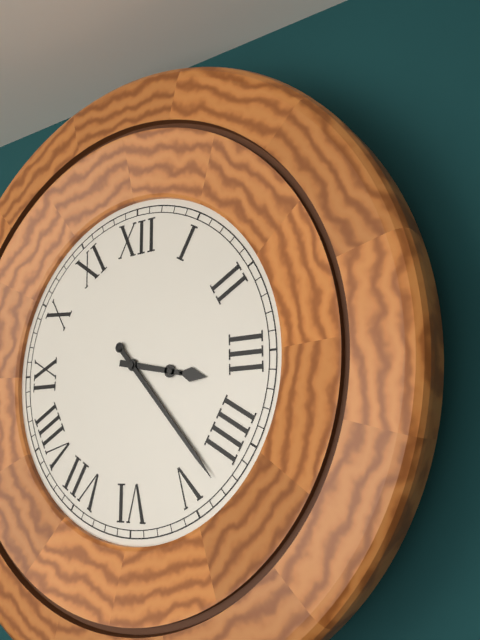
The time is 3,23
